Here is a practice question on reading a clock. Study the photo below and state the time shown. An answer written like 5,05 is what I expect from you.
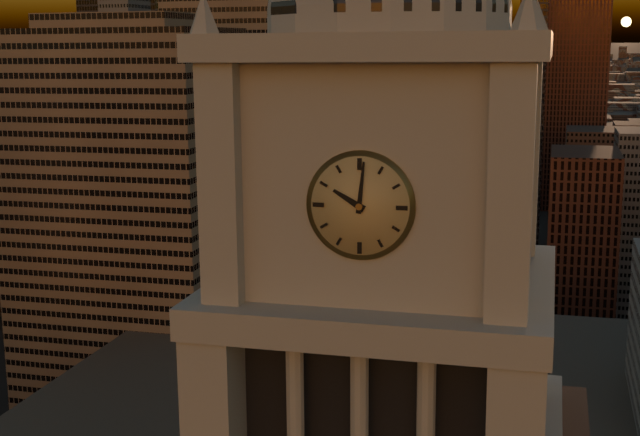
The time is 10,01
